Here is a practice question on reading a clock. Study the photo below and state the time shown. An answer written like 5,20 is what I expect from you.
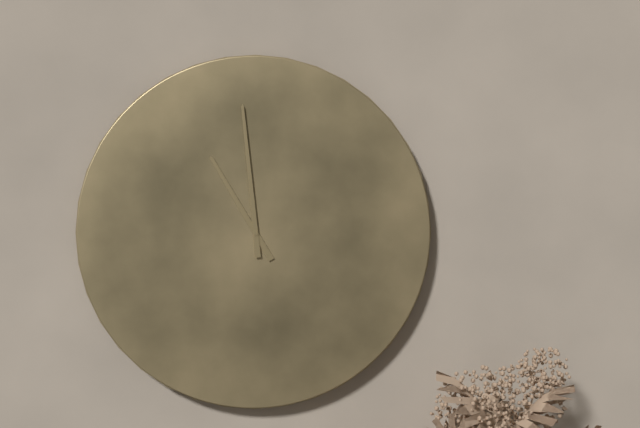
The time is 10,59
